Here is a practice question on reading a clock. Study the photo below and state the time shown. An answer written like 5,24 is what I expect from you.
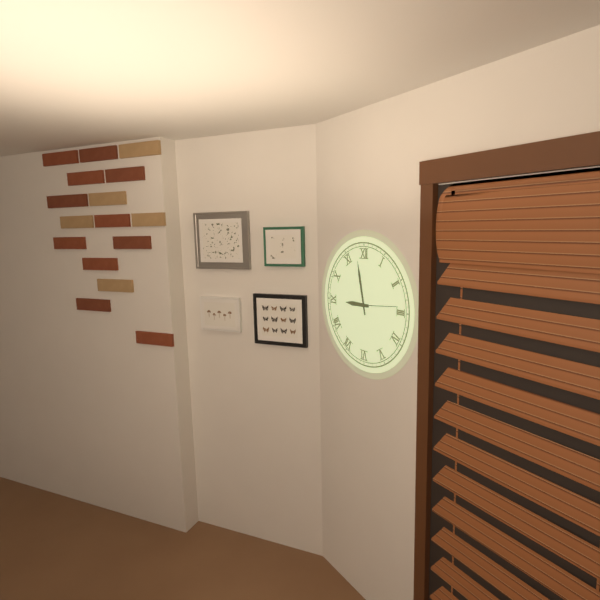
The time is 8,58
